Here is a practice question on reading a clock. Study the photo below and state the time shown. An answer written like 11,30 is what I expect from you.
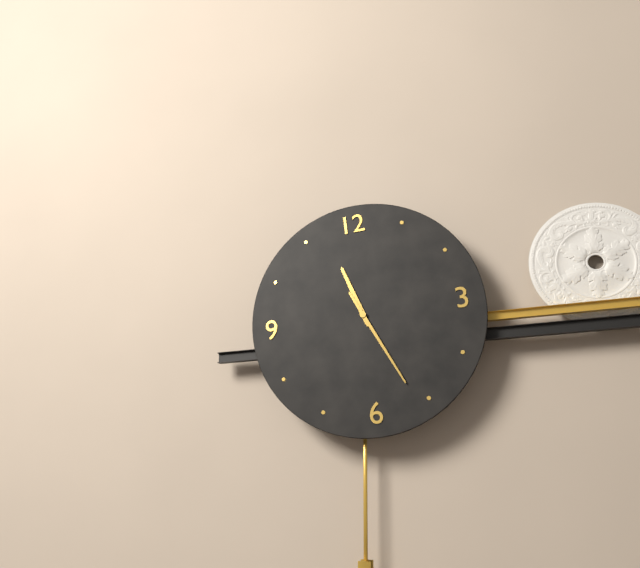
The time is 11,26
